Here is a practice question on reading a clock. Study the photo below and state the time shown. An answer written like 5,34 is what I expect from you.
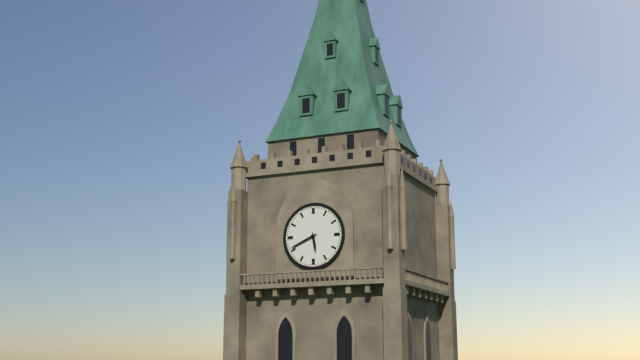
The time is 5,41
